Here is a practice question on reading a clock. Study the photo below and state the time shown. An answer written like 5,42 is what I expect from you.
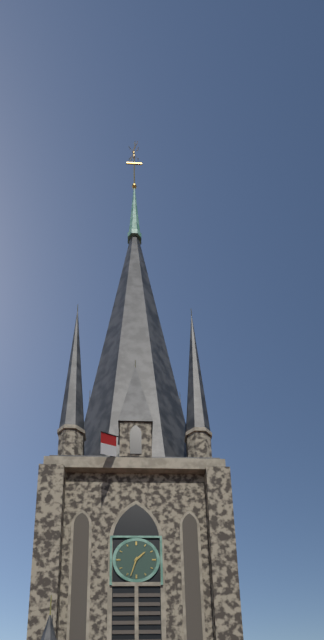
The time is 1,33
